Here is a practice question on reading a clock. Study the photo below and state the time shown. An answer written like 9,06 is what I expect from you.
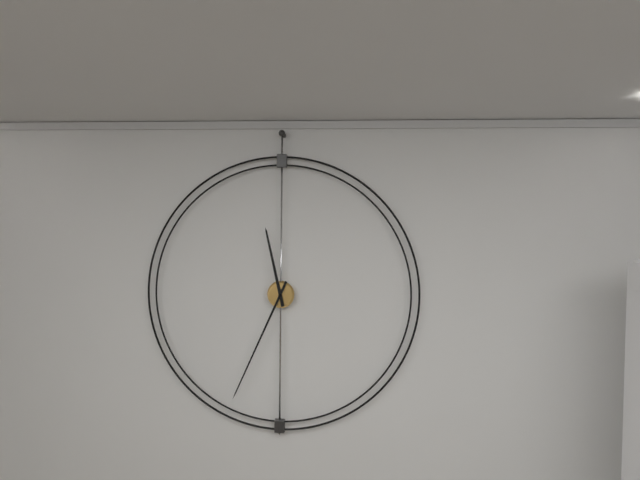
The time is 11,34
